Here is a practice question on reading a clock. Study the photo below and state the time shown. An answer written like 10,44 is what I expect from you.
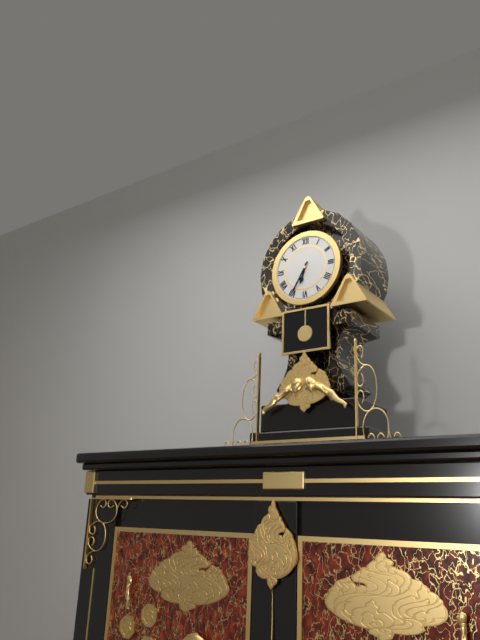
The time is 6,35
